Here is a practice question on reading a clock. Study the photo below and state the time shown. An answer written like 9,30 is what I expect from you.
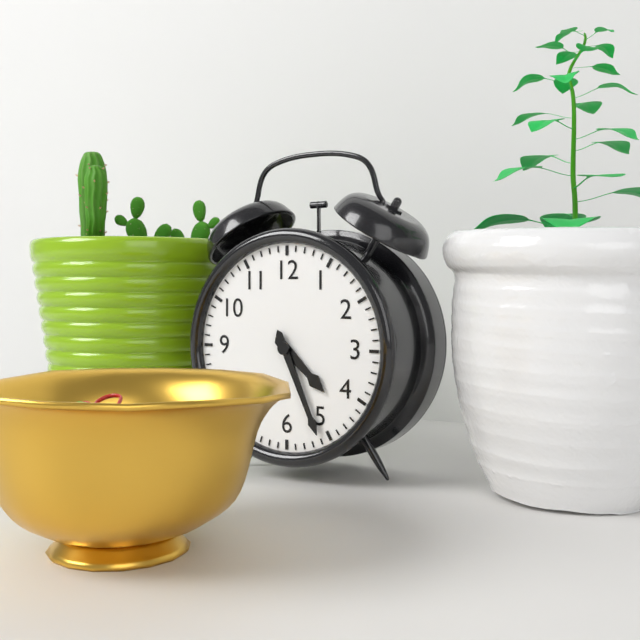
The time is 4,26
